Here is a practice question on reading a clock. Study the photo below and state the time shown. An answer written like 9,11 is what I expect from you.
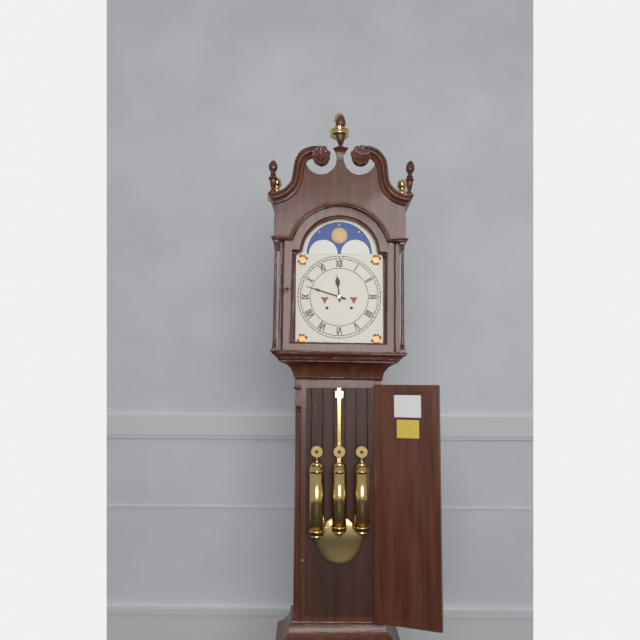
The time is 11,48
